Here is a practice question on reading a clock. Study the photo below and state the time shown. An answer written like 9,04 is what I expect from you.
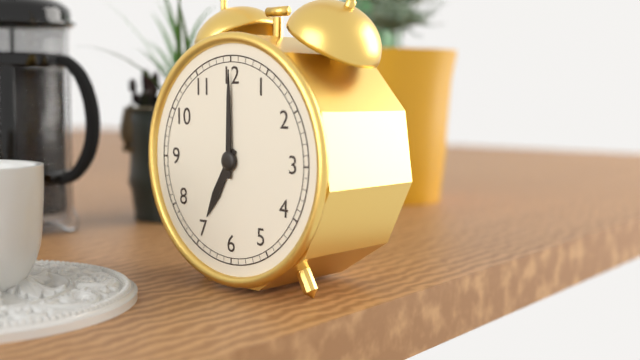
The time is 7,00
